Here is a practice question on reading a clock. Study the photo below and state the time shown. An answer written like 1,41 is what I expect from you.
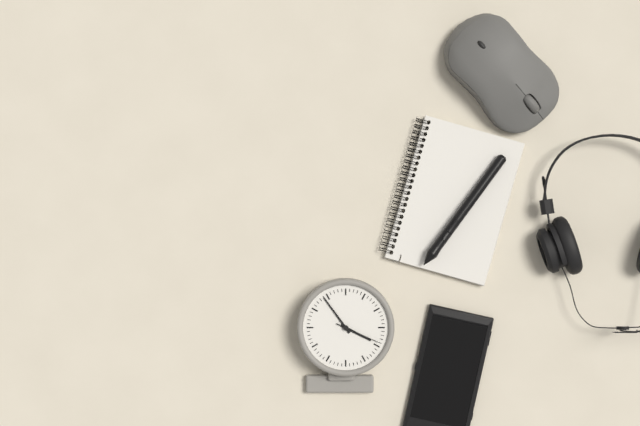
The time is 3,54
